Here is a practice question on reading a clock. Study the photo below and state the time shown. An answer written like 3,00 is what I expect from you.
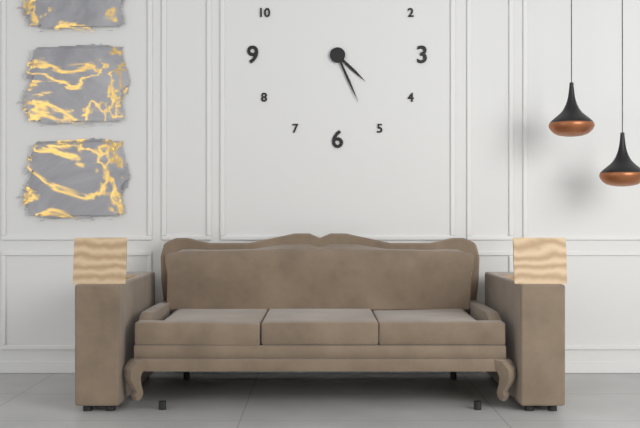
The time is 4,26
